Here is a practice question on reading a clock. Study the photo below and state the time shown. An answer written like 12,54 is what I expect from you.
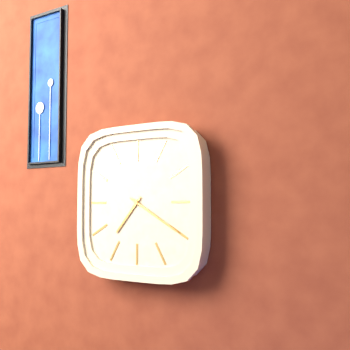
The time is 7,20
